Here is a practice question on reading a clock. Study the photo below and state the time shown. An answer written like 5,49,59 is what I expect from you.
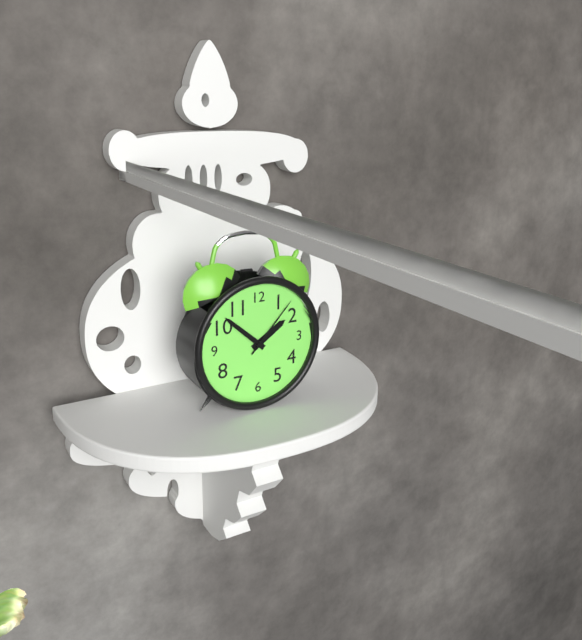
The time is 1,52,07
